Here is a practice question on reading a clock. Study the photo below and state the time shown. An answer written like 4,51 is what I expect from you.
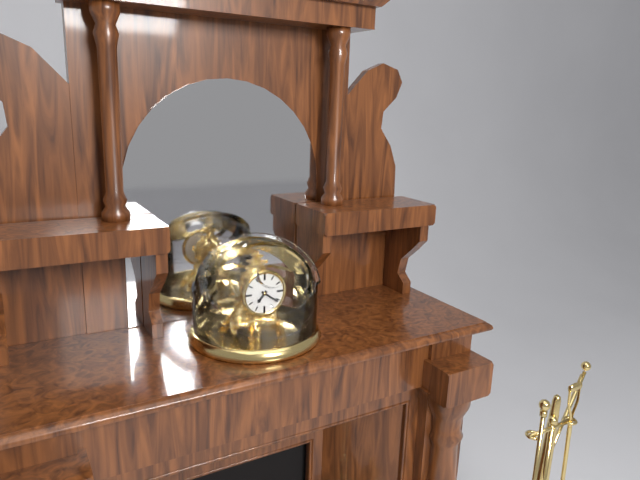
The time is 7,21
